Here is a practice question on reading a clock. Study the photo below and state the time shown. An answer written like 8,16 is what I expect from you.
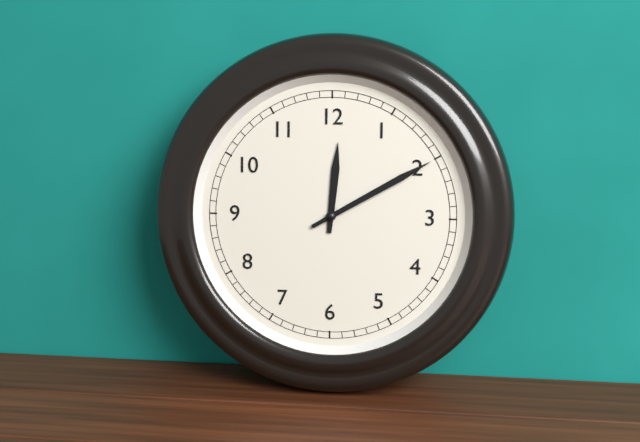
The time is 12,10
